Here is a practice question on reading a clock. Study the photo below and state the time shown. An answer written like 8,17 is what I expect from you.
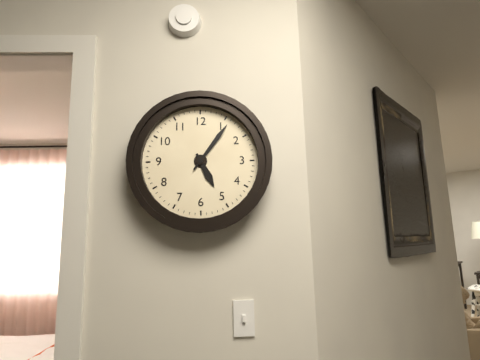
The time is 5,06
